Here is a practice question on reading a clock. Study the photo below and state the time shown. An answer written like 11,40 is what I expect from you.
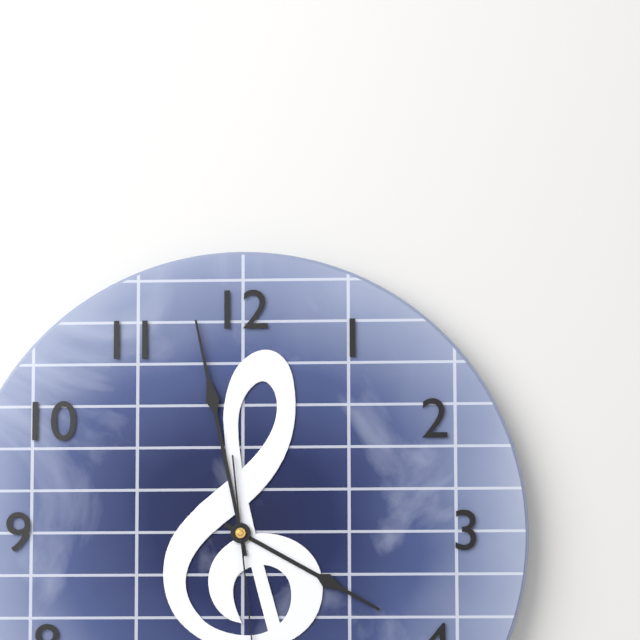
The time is 3,58
